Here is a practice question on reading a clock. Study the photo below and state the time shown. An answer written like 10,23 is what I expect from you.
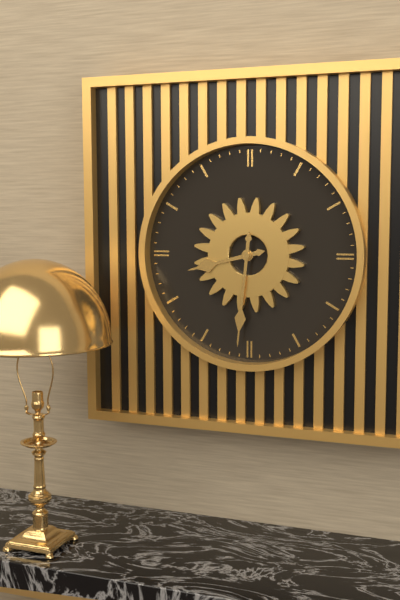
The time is 8,31
